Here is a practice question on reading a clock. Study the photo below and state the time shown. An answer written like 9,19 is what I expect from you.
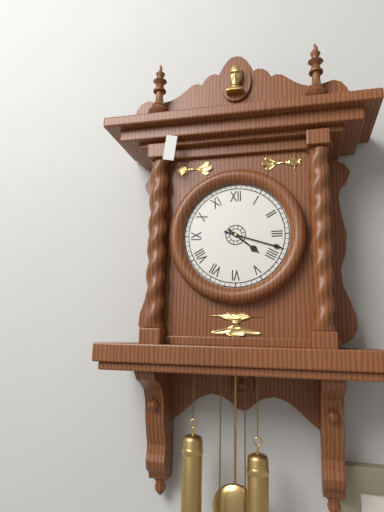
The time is 4,18
